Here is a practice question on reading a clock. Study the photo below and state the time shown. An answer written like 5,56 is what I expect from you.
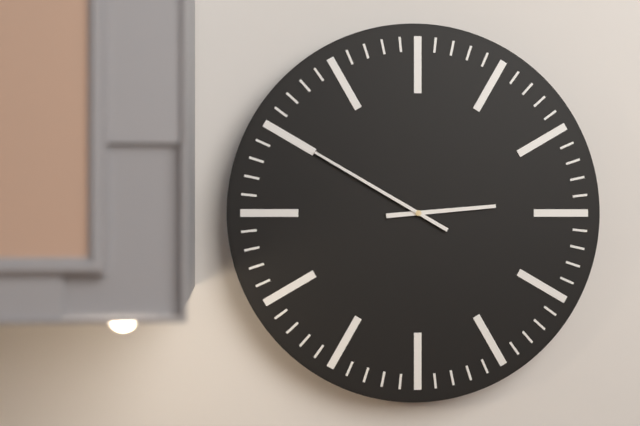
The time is 2,50
